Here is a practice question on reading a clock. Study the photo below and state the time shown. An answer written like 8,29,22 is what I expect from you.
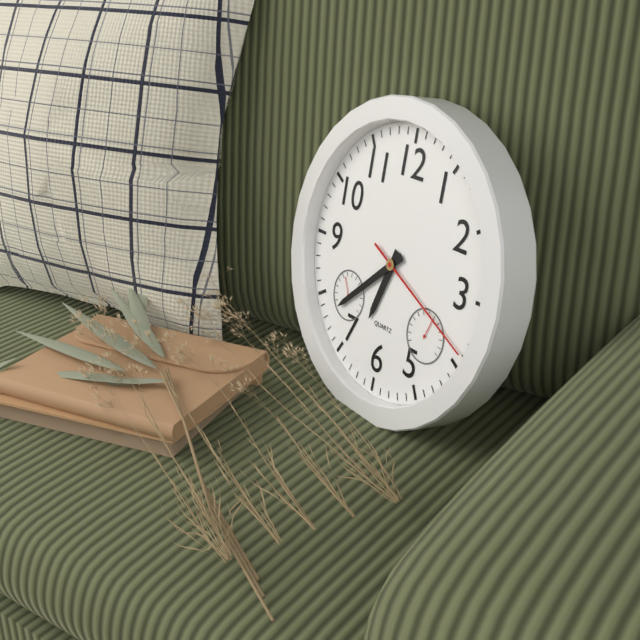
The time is 6,38,19
